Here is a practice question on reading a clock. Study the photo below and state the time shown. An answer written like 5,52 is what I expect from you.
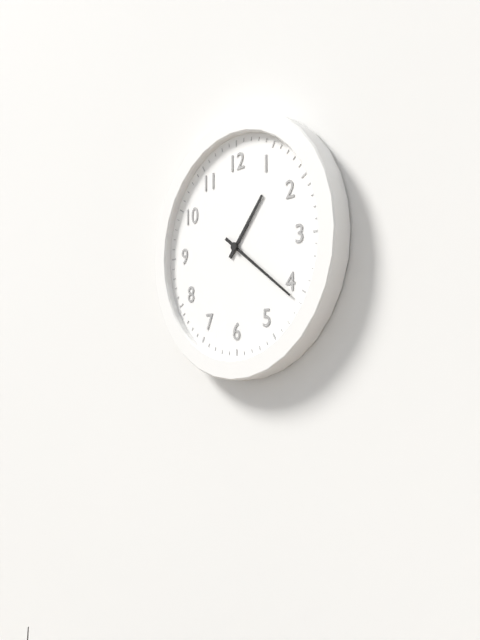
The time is 1,21
